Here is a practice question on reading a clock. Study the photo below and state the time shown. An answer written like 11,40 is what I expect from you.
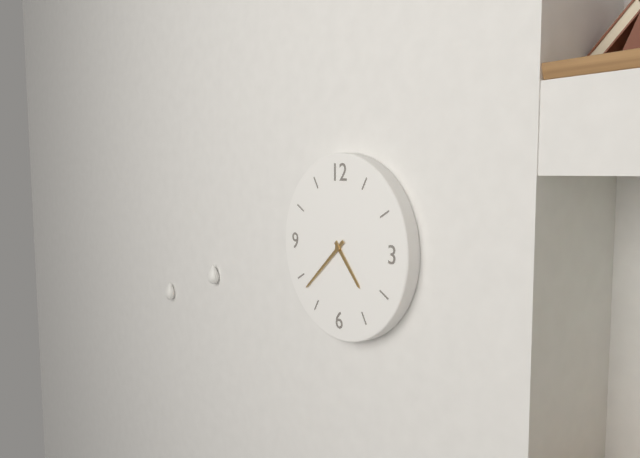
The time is 4,38
